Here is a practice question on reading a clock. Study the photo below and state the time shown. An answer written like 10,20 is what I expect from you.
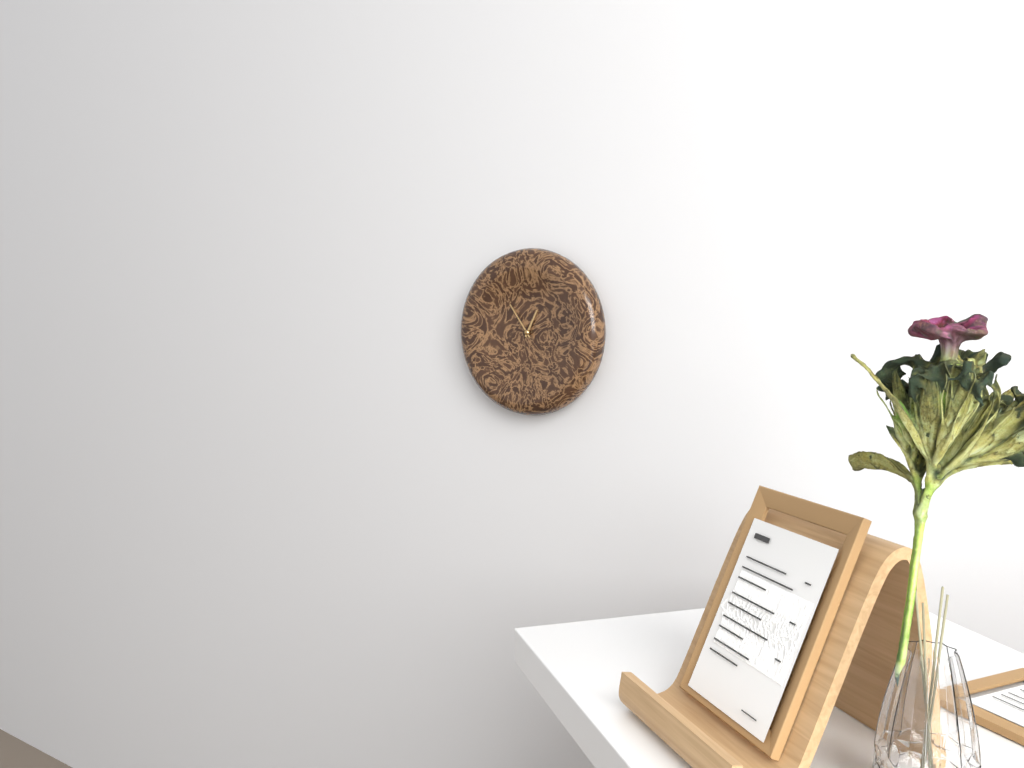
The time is 12,54
